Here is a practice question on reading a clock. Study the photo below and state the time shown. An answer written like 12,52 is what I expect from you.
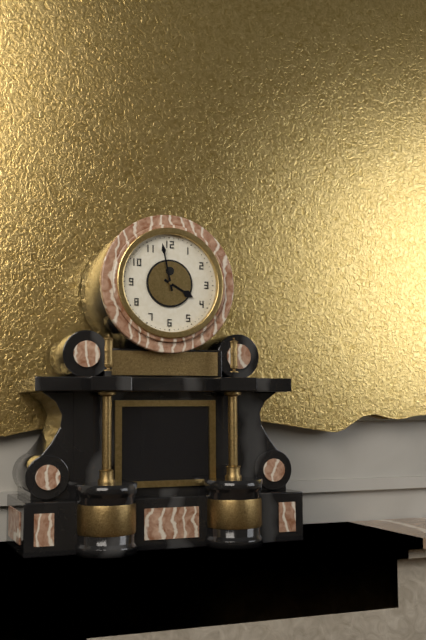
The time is 3,58
